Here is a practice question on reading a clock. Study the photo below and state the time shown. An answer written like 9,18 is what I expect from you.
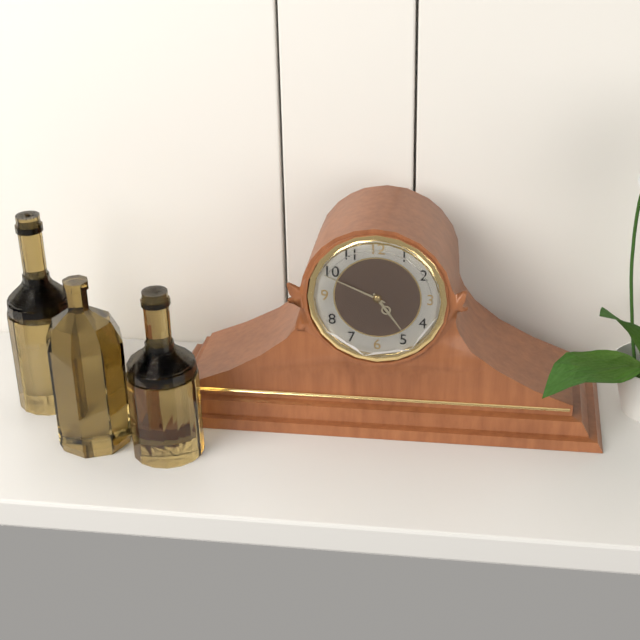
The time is 4,49
